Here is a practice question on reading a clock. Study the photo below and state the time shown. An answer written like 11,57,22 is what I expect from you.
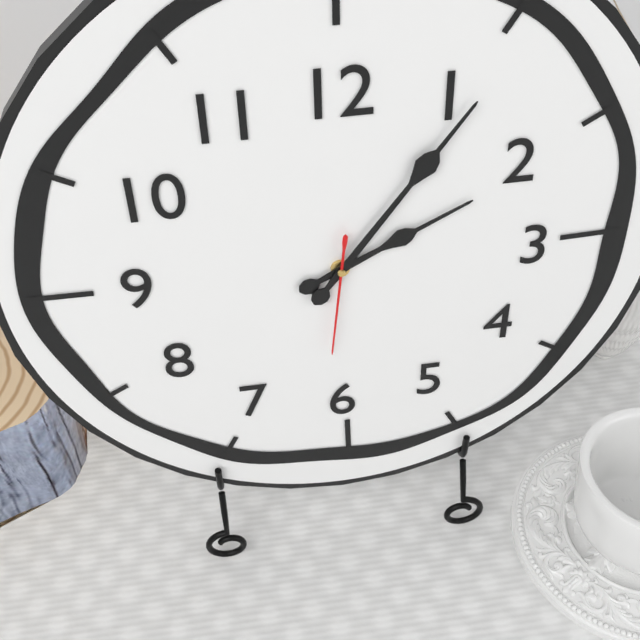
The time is 2,06,31
